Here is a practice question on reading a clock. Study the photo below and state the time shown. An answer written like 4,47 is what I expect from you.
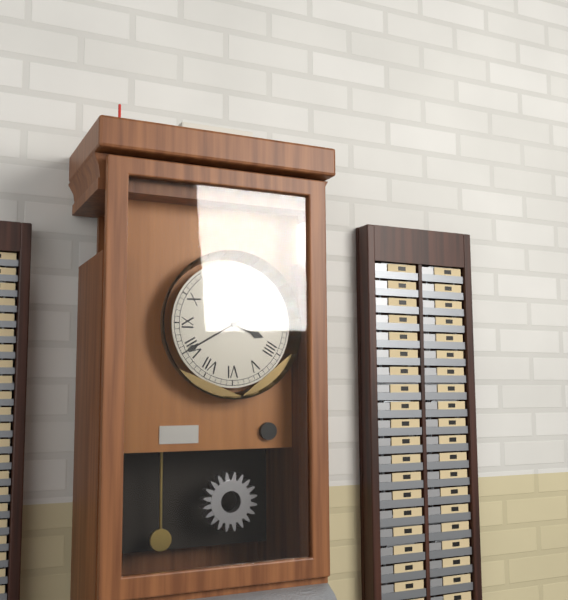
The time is 3,40
